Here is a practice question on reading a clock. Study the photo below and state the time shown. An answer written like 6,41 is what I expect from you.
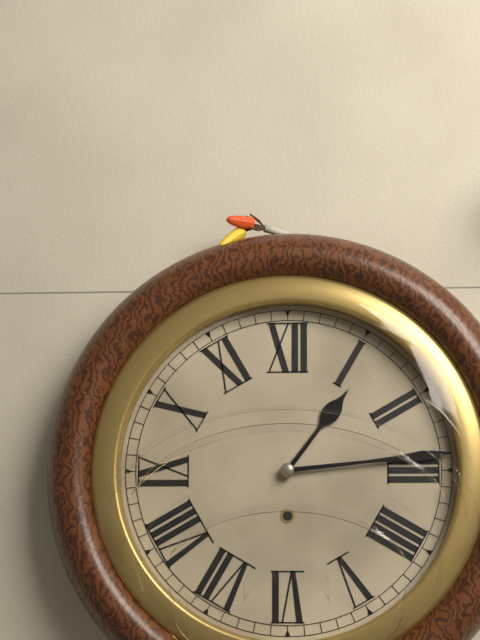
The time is 1,14
